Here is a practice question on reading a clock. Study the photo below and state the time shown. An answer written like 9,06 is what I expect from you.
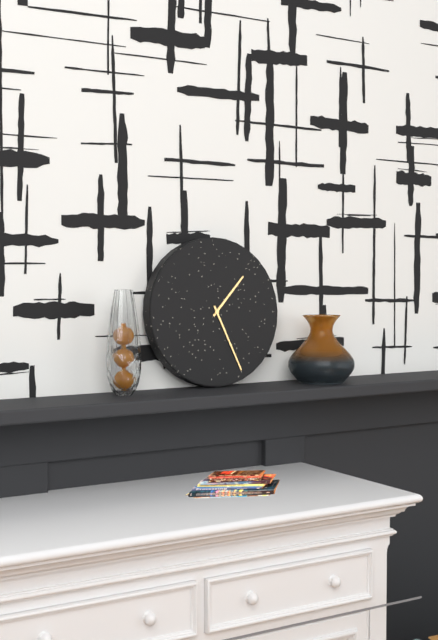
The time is 1,26
